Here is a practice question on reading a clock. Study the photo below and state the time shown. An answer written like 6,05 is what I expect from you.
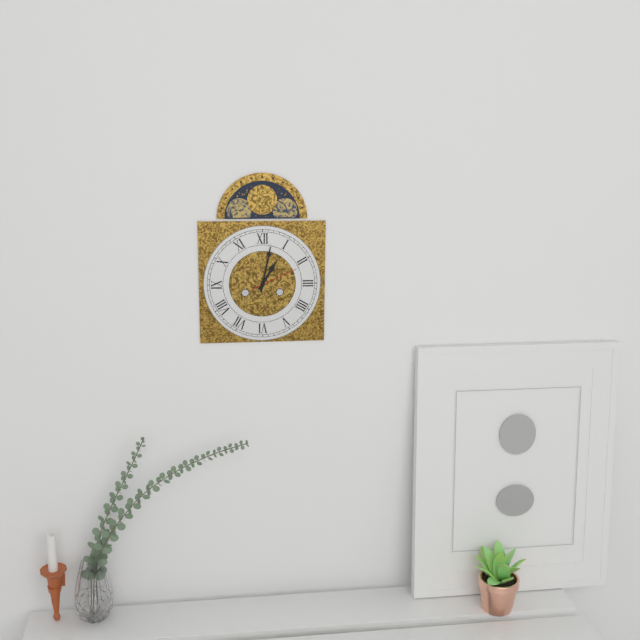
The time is 1,02
